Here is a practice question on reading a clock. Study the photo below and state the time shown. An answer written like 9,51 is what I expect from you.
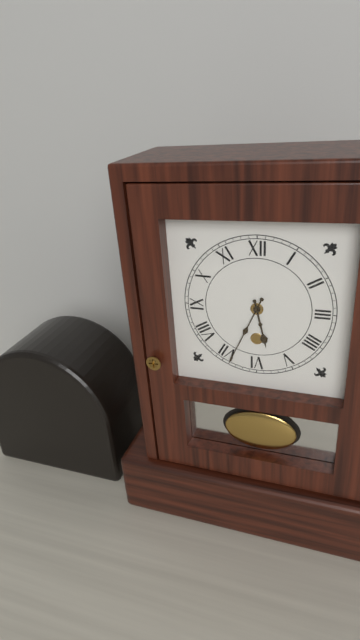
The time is 5,34
